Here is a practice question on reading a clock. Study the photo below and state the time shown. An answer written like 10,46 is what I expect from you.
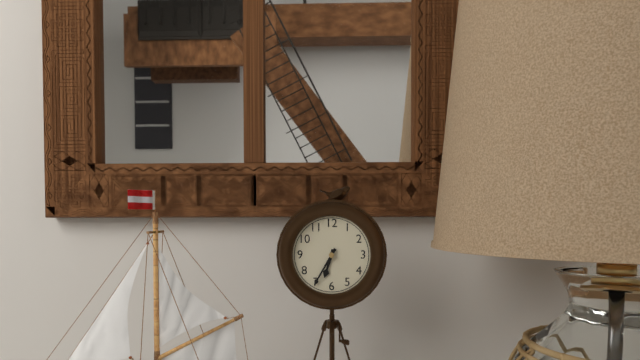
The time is 6,35
